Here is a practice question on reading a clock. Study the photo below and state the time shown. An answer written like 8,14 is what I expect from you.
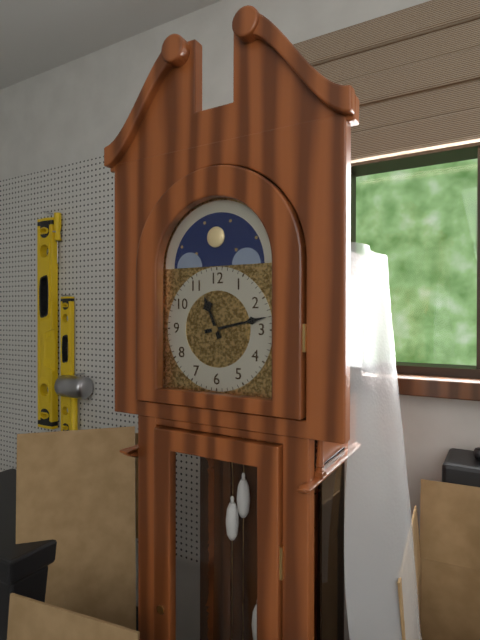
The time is 11,13
